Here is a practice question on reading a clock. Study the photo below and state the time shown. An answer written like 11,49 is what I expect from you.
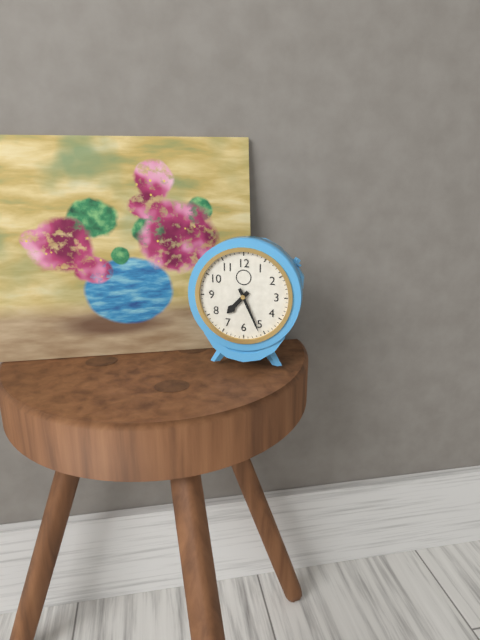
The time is 7,26
